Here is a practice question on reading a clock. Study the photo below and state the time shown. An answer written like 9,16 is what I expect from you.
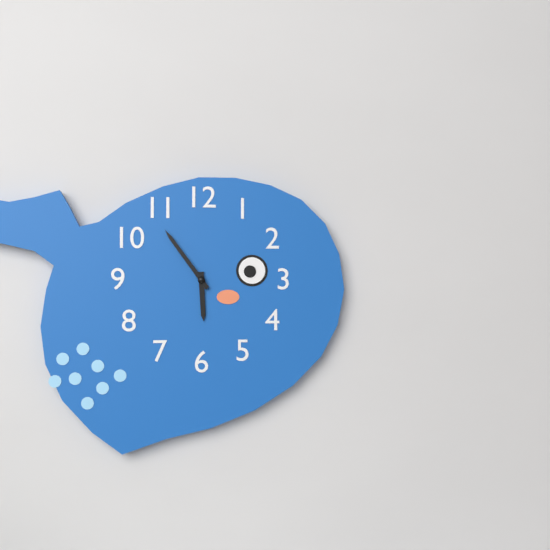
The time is 5,54
